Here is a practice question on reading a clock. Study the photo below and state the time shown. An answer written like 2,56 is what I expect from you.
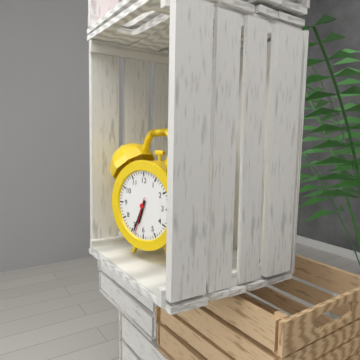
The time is 6,34
